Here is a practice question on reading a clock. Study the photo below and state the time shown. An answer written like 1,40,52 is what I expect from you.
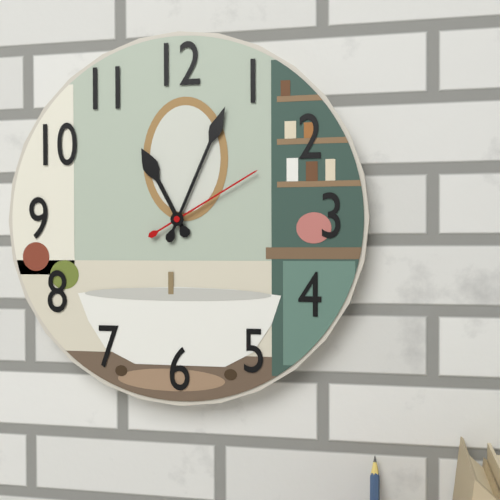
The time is 11,04,10
